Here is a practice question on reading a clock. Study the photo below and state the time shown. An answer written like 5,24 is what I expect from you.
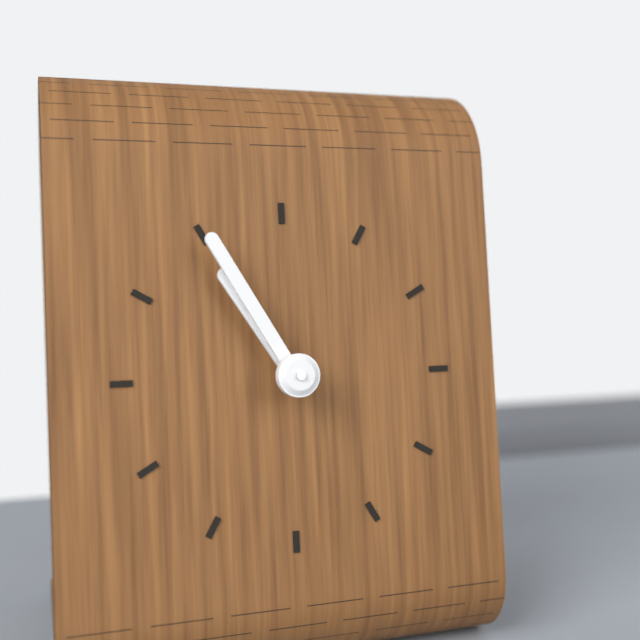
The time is 10,55
